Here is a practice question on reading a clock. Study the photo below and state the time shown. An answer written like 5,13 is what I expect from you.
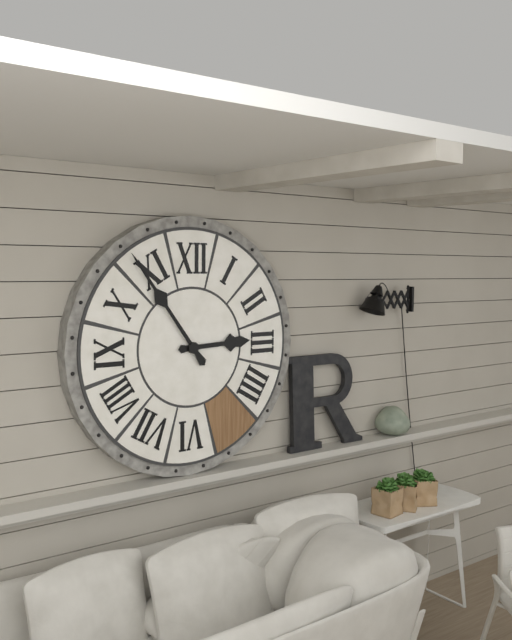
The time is 2,54
